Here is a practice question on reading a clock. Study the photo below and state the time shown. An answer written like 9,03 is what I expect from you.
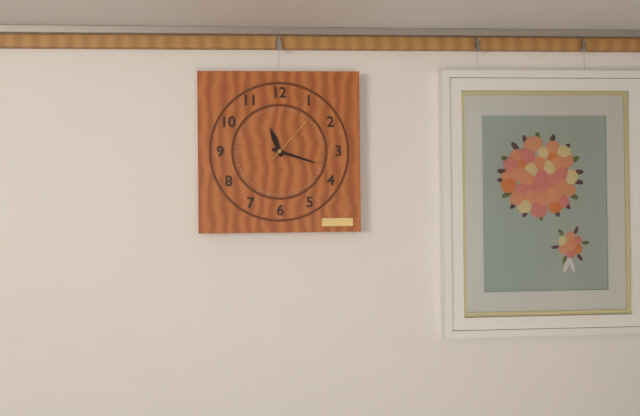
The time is 11,18
